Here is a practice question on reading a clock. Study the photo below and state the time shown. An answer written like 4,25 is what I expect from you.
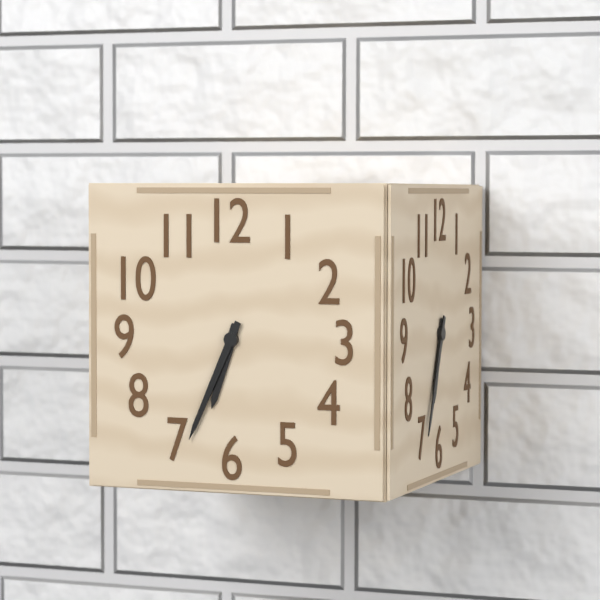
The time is 6,34
